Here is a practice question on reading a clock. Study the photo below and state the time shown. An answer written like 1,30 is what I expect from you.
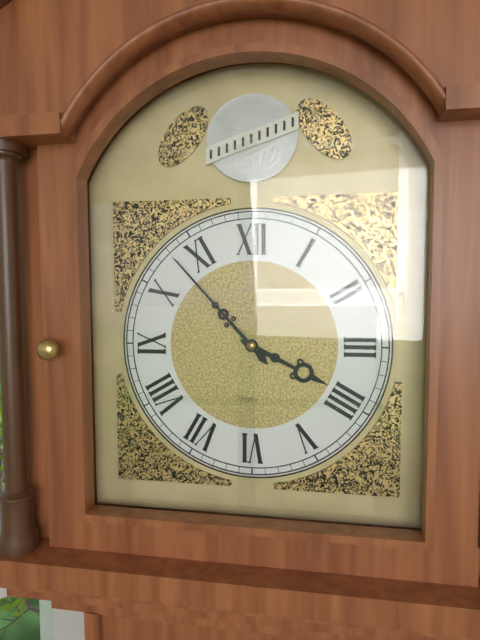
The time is 3,53
